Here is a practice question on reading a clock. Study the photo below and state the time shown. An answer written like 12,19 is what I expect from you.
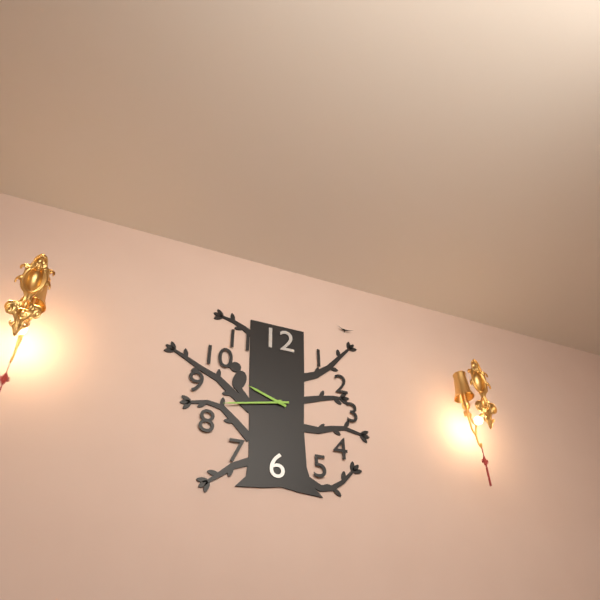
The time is 9,43
